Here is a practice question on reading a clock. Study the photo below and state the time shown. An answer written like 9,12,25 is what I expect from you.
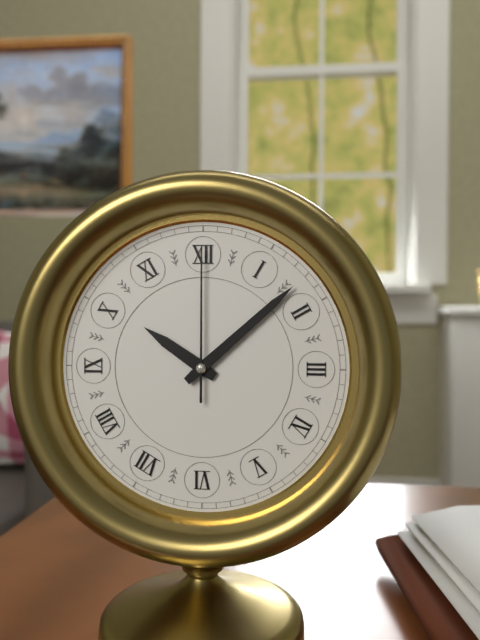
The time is 10,08,00
